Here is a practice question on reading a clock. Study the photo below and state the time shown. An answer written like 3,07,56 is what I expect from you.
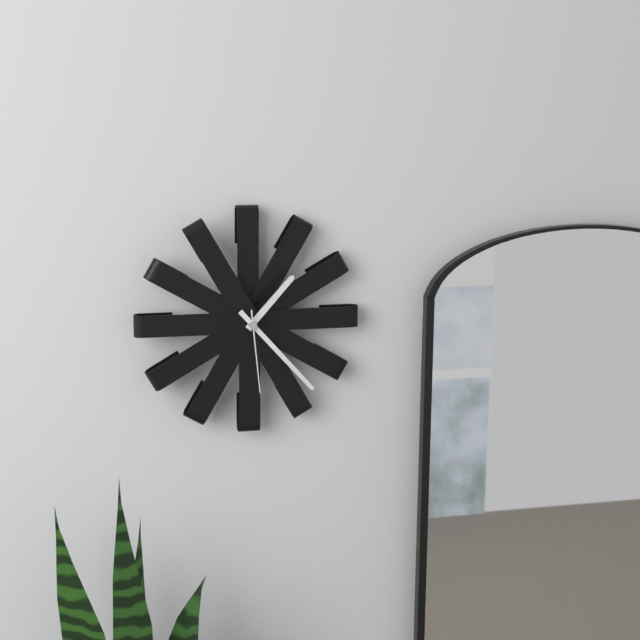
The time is 1,23,29
